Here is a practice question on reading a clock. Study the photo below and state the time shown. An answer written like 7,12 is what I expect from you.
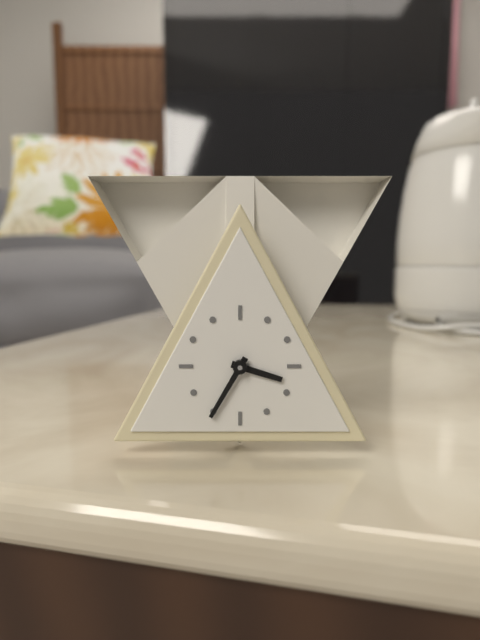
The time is 3,35
